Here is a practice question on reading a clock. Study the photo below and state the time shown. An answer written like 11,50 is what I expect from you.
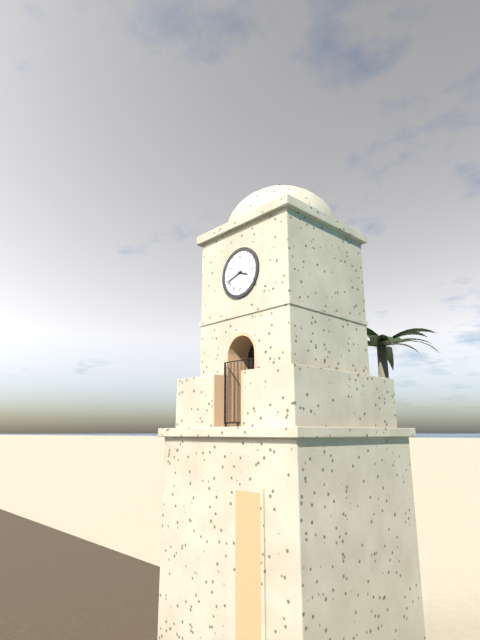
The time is 3,42
